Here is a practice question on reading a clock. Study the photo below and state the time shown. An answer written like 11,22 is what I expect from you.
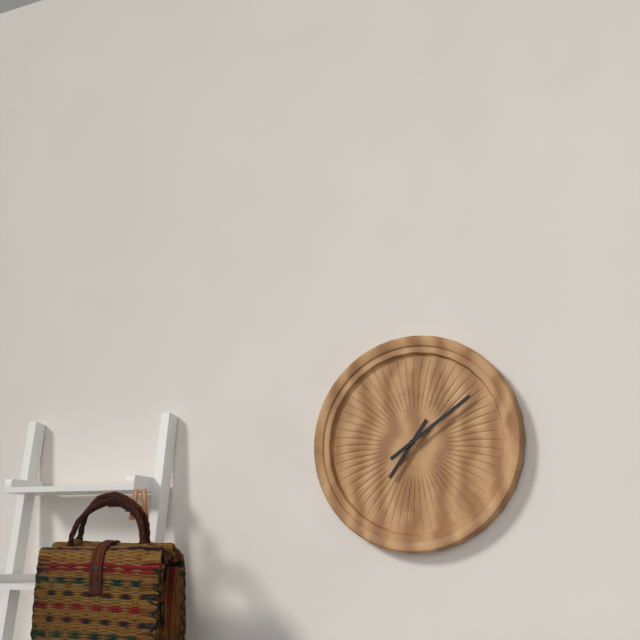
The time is 7,09
